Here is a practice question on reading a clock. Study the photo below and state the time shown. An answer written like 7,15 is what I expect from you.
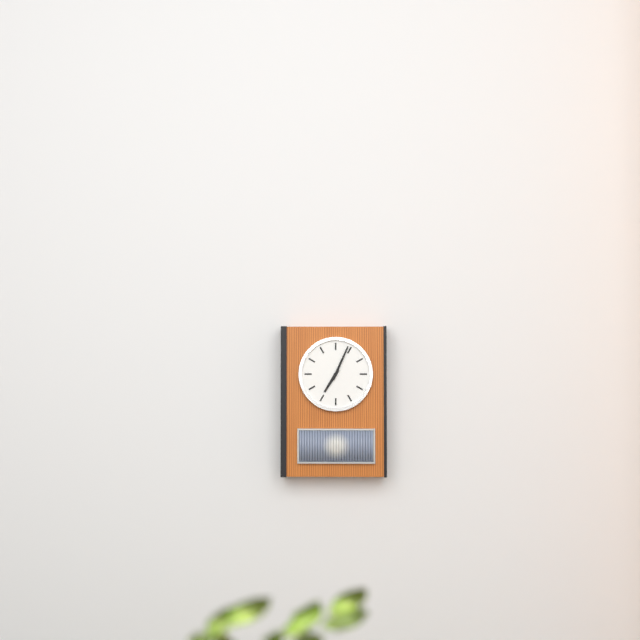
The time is 7,04
